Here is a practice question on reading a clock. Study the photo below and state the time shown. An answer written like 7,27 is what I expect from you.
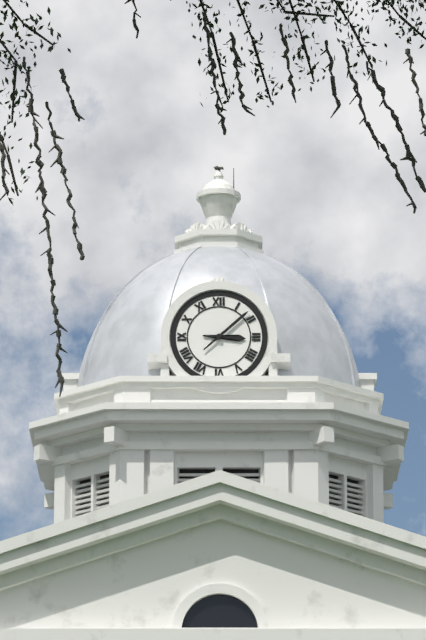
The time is 3,08
